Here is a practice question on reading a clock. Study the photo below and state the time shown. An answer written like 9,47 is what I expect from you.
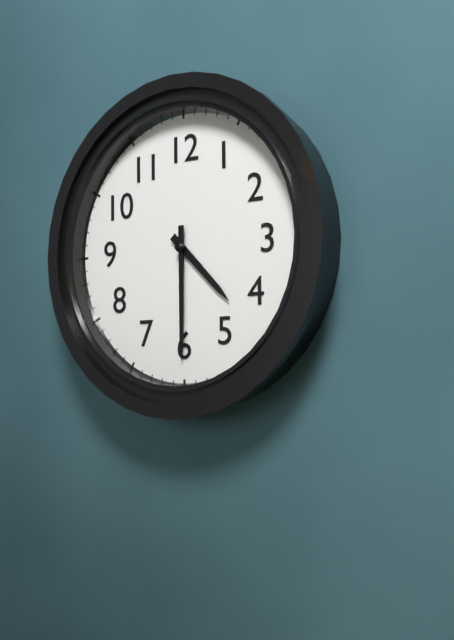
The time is 4,30
